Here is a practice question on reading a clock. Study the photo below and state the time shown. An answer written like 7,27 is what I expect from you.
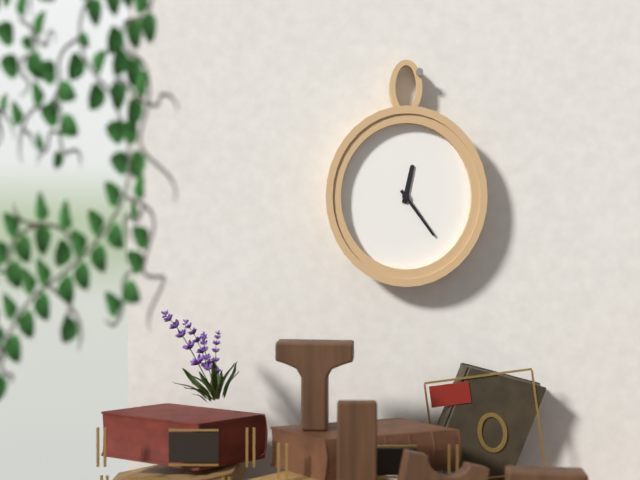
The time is 12,24
